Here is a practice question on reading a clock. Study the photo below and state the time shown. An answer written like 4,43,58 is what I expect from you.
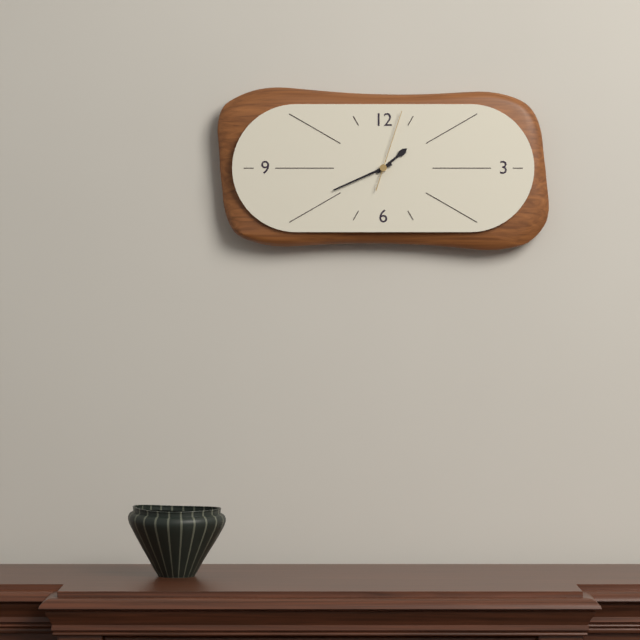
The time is 1,41,03
